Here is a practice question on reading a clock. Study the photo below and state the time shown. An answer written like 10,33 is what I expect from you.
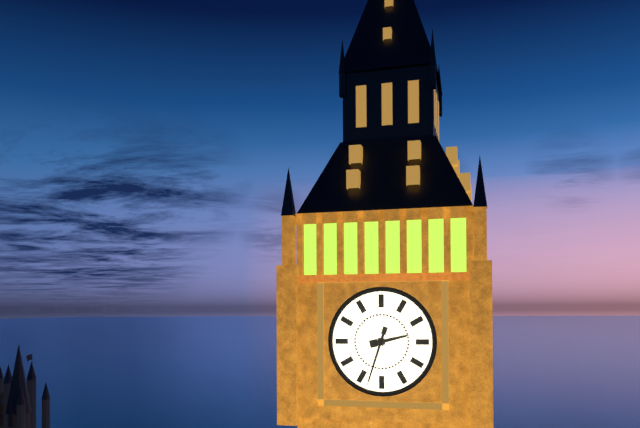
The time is 2,33
